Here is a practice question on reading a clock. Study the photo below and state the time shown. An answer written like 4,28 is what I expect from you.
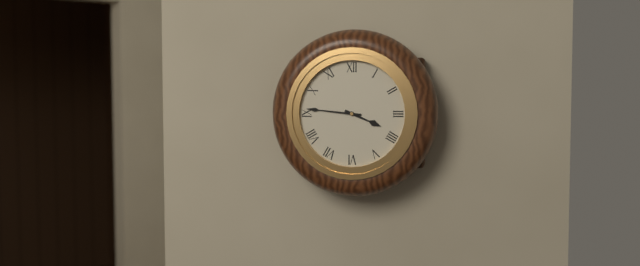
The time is 3,46
